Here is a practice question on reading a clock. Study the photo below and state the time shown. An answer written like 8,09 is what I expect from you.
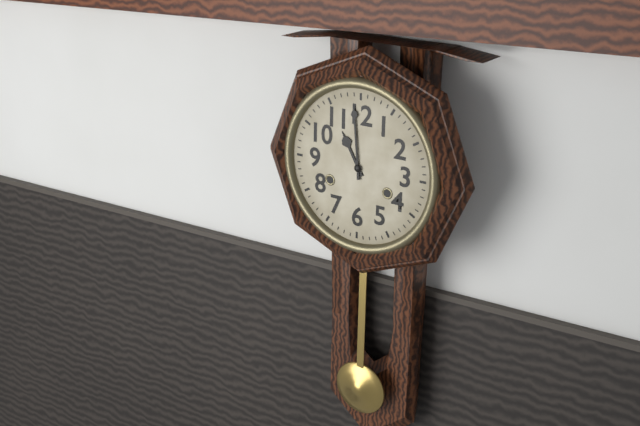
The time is 10,59
